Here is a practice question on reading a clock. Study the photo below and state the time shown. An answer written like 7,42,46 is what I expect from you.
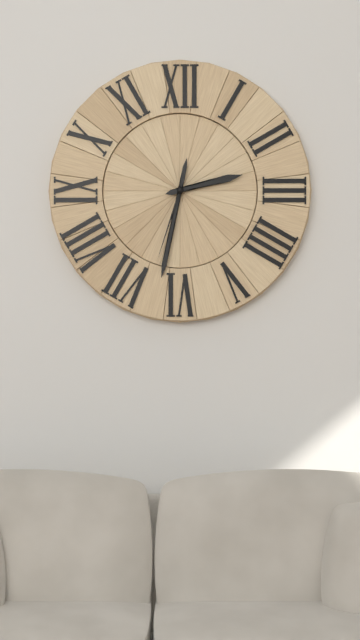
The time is 2,32,33
